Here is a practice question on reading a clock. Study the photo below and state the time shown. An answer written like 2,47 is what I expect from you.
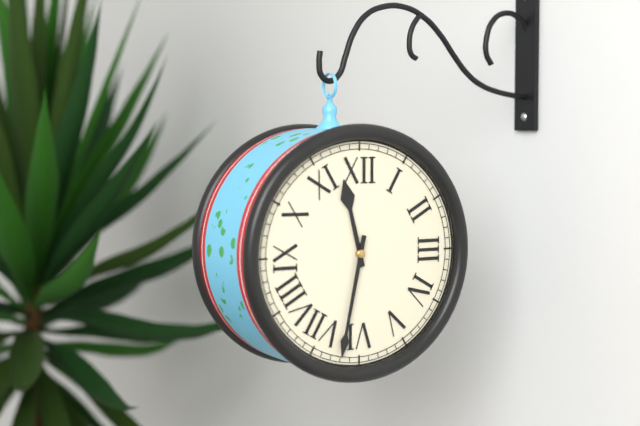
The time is 11,32
